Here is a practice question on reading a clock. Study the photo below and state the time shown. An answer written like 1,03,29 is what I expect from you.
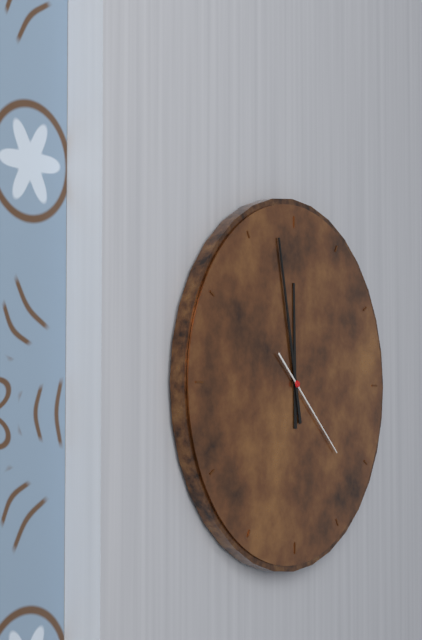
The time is 11,58,22
